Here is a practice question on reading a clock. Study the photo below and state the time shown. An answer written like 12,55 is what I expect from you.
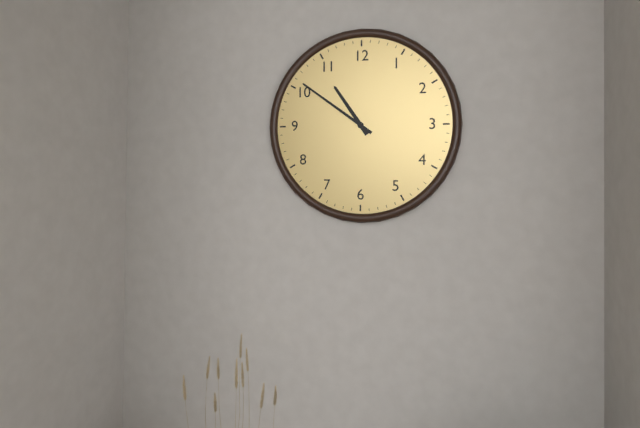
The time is 10,51
